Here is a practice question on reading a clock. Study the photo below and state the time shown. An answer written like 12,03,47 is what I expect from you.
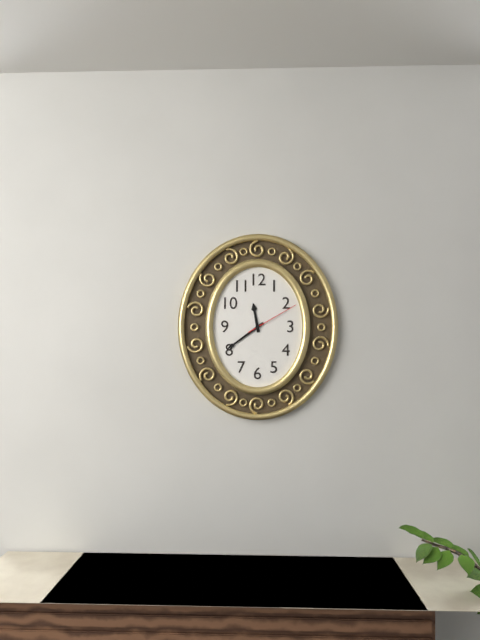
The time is 11,39,10
